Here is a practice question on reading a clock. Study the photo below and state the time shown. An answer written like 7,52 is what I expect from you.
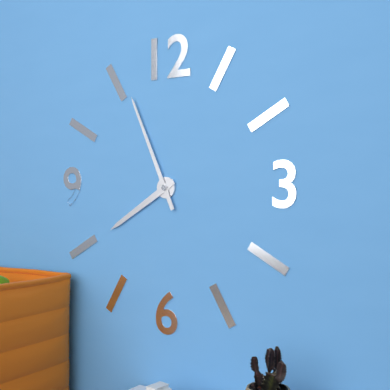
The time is 7,56
